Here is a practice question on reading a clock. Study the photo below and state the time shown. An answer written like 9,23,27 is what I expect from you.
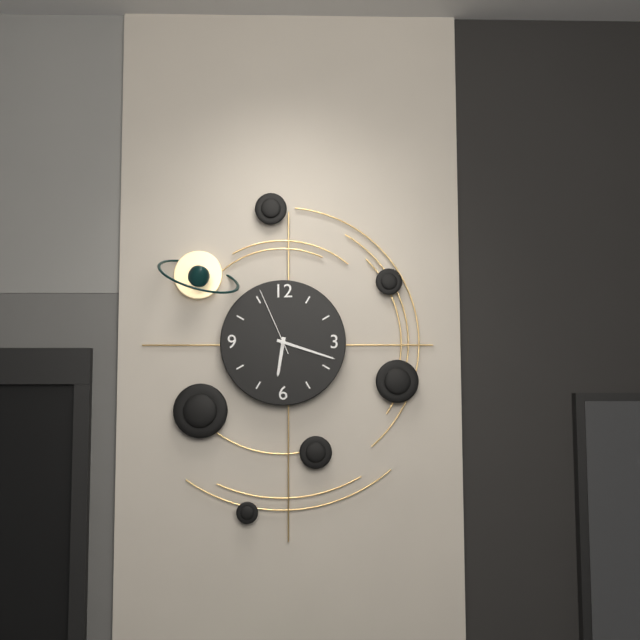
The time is 6,18,56
